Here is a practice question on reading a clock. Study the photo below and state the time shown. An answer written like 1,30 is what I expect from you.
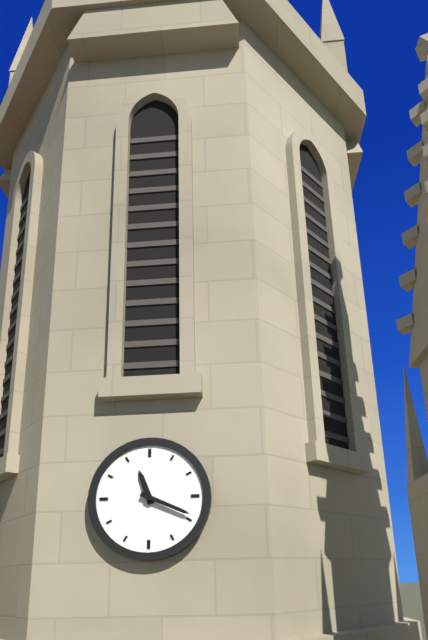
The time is 11,19
